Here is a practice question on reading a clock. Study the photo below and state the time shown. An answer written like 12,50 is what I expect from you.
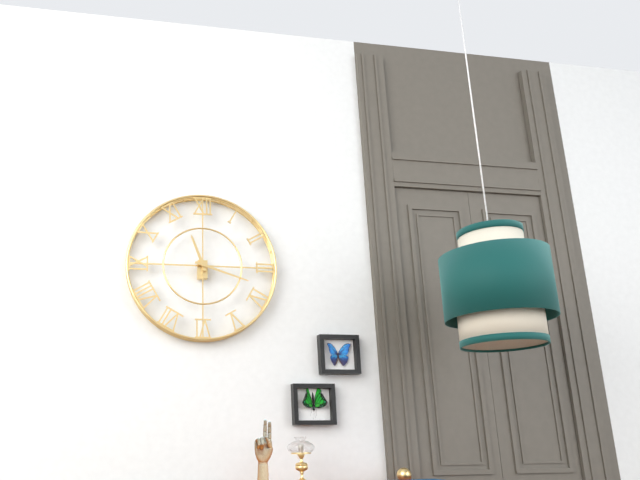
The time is 11,18
